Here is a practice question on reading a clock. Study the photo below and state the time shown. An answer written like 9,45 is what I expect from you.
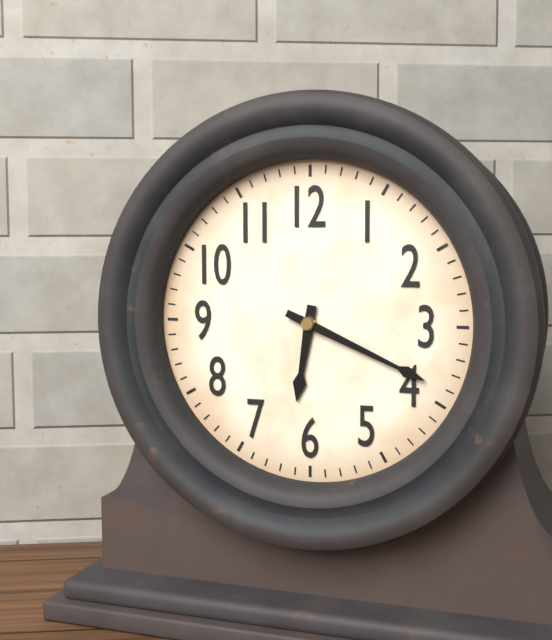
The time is 6,19
